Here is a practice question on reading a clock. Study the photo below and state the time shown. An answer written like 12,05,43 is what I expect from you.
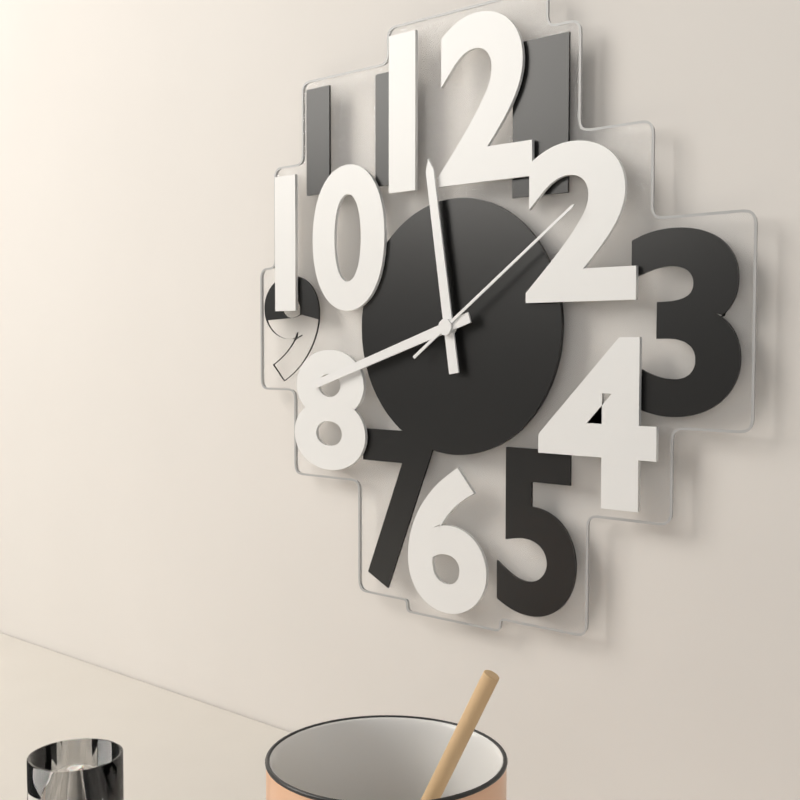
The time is 11,42,09
